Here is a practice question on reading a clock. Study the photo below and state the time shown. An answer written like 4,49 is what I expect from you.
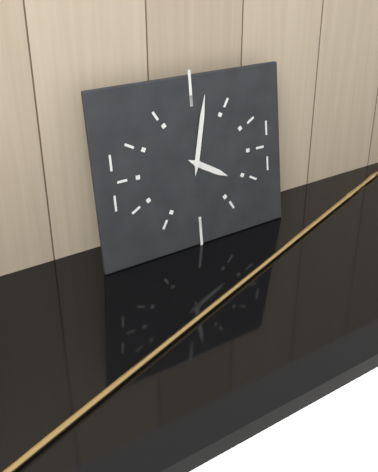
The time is 4,02
